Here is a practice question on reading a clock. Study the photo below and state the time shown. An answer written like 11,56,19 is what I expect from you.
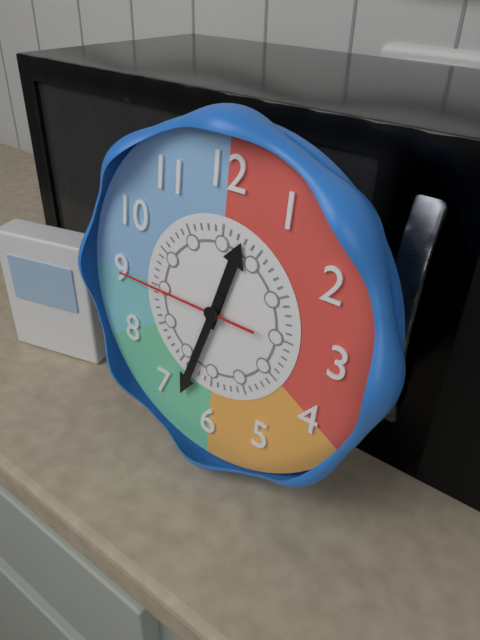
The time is 12,33,45
